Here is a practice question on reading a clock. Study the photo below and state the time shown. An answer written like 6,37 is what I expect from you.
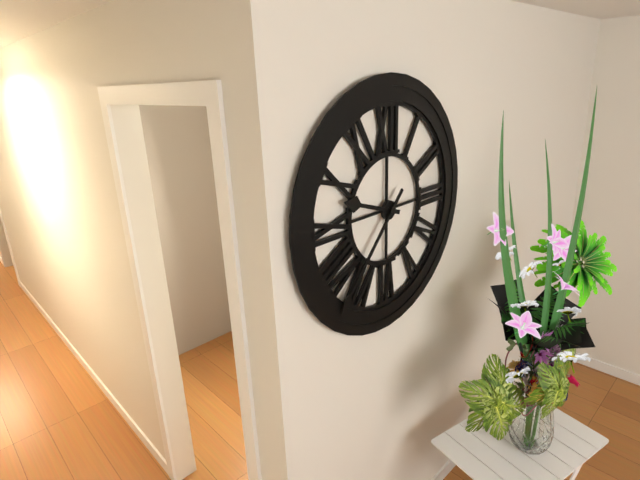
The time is 9,37
